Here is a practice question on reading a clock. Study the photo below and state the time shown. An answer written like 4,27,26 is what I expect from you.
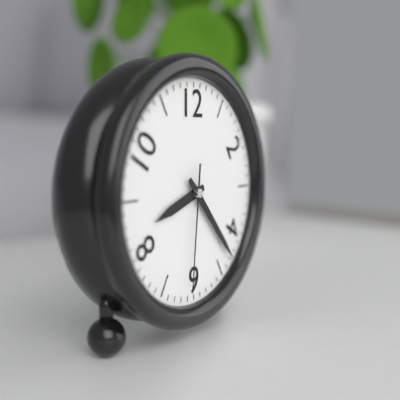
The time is 8,23,31
